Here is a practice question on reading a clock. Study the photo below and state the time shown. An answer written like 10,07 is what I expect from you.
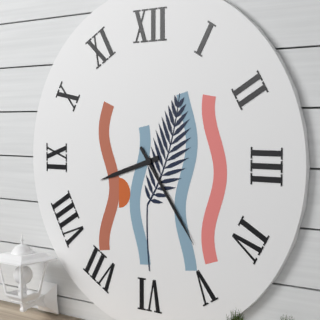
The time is 8,24
